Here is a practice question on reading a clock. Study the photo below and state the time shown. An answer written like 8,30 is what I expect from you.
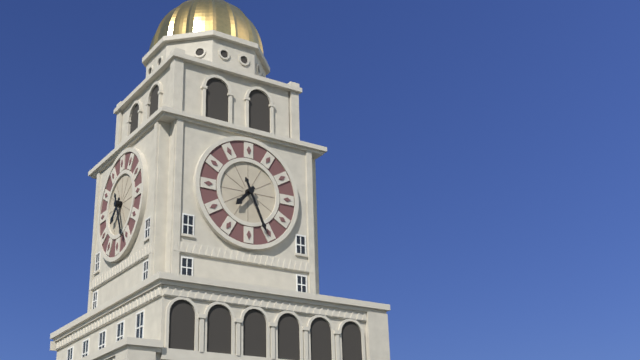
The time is 7,26
